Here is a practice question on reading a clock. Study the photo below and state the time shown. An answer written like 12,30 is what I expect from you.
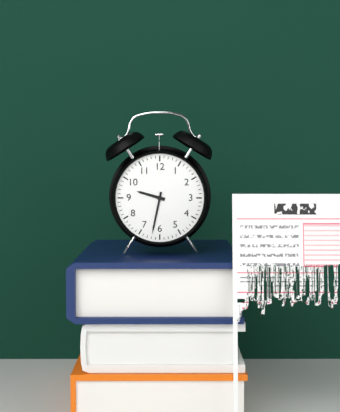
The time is 9,32
